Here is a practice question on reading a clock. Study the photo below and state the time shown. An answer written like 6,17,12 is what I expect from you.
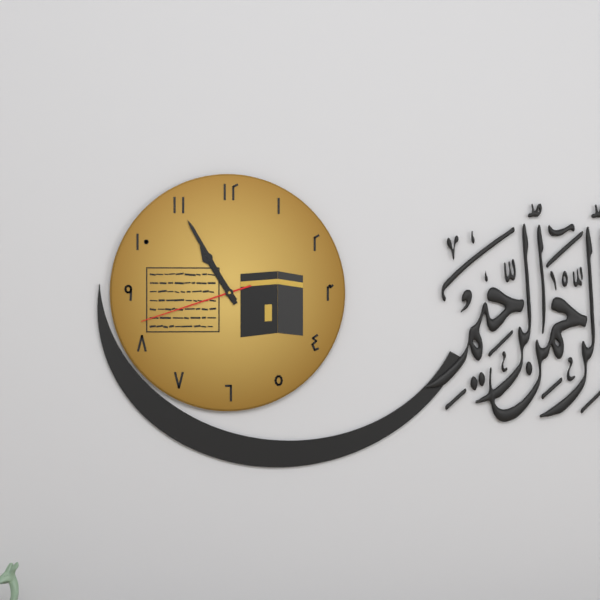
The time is 10,55,42
